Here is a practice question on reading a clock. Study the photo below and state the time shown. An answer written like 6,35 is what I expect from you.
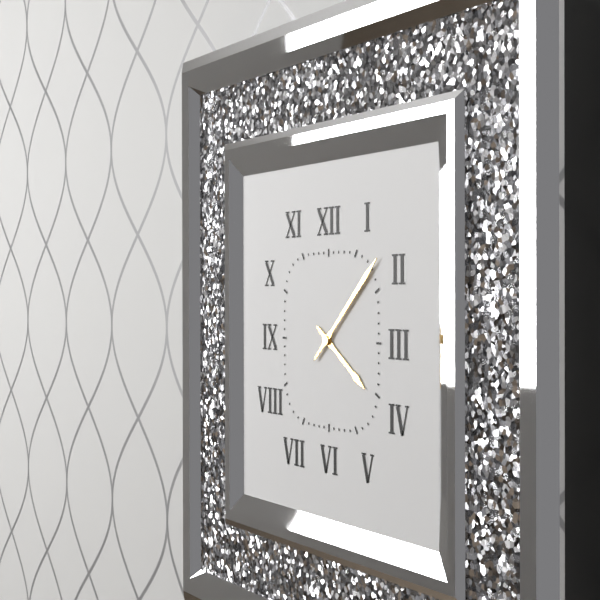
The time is 4,08
